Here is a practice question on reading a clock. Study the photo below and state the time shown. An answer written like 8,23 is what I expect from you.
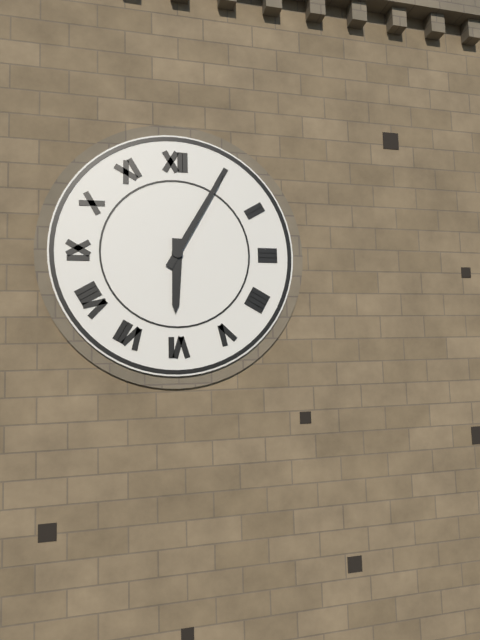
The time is 6,05
